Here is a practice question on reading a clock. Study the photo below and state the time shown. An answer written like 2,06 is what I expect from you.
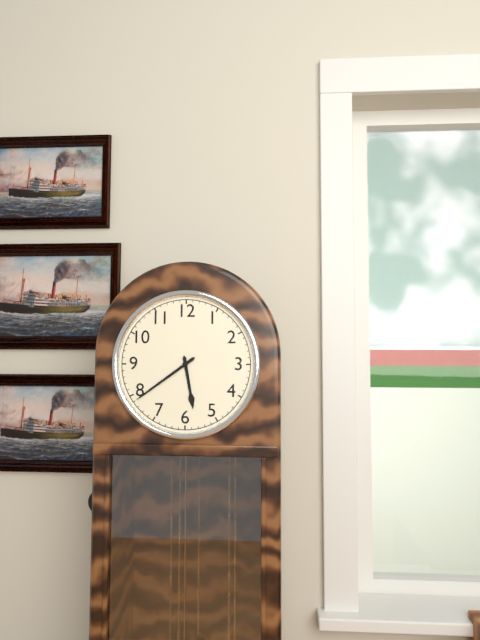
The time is 5,39
